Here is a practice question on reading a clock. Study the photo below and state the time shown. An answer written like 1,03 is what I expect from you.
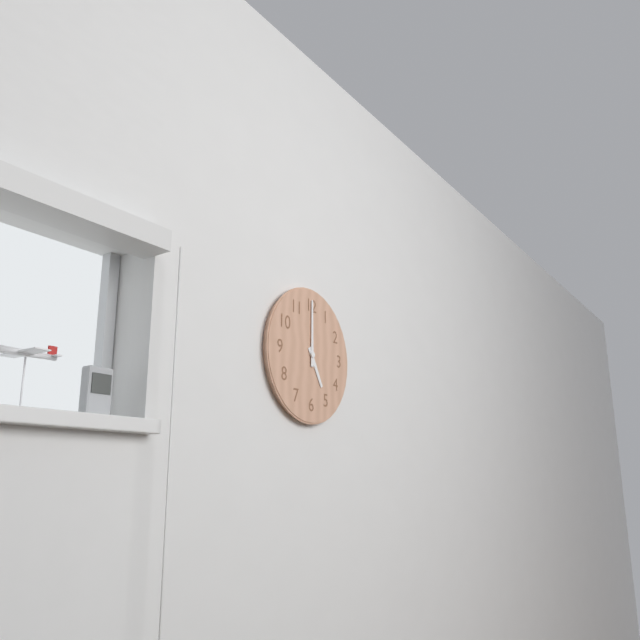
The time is 5,00
